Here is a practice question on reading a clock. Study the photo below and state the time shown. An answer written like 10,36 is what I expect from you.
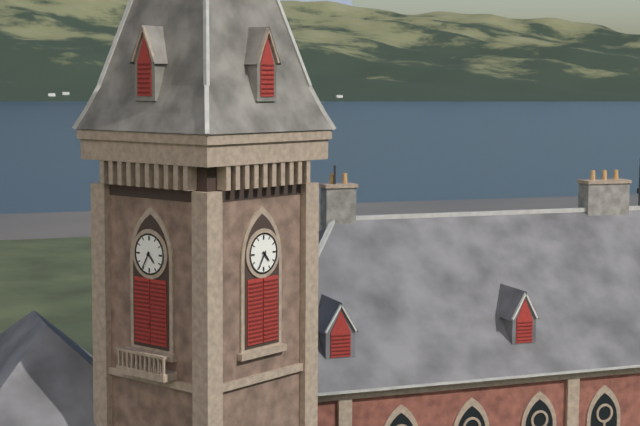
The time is 4,35
